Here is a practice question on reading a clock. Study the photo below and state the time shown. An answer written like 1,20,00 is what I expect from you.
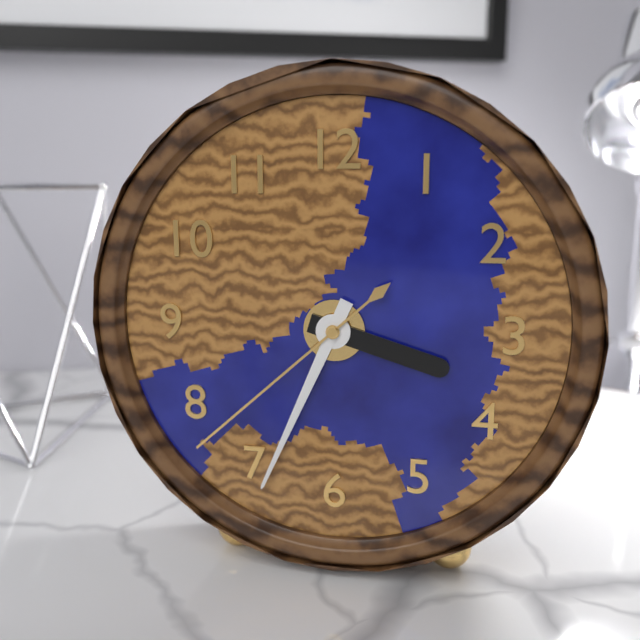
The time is 3,34,38
